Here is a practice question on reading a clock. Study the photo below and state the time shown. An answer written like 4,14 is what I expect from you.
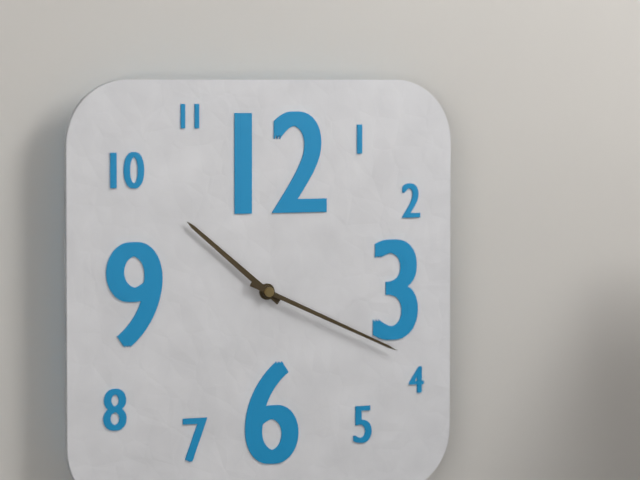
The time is 10,19
